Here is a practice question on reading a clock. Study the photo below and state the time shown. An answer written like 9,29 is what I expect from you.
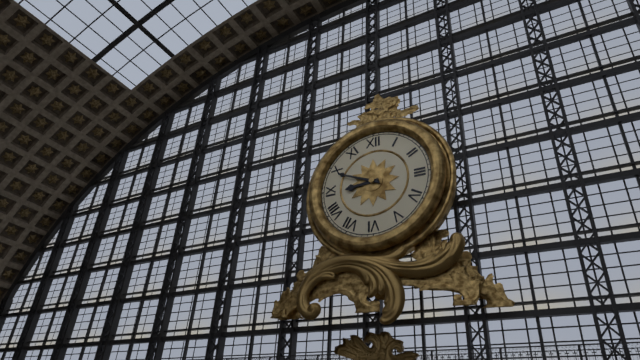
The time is 8,49
